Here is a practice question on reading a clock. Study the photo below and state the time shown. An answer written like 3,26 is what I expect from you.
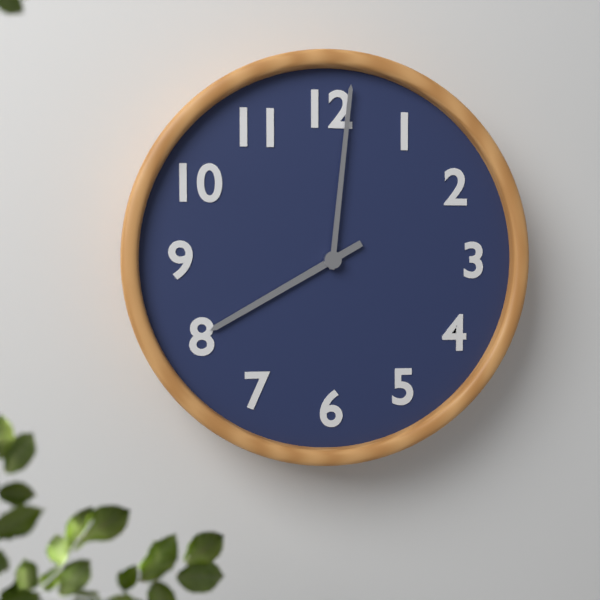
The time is 8,01
